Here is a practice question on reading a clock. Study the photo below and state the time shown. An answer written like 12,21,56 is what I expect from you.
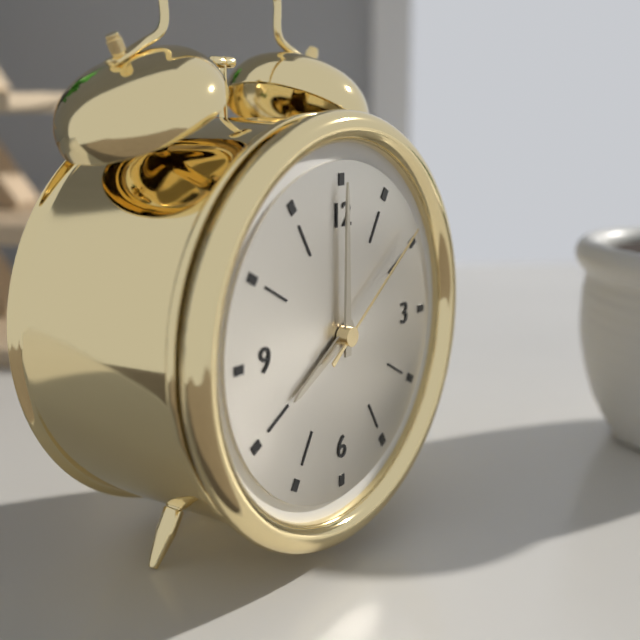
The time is 8,00,09
